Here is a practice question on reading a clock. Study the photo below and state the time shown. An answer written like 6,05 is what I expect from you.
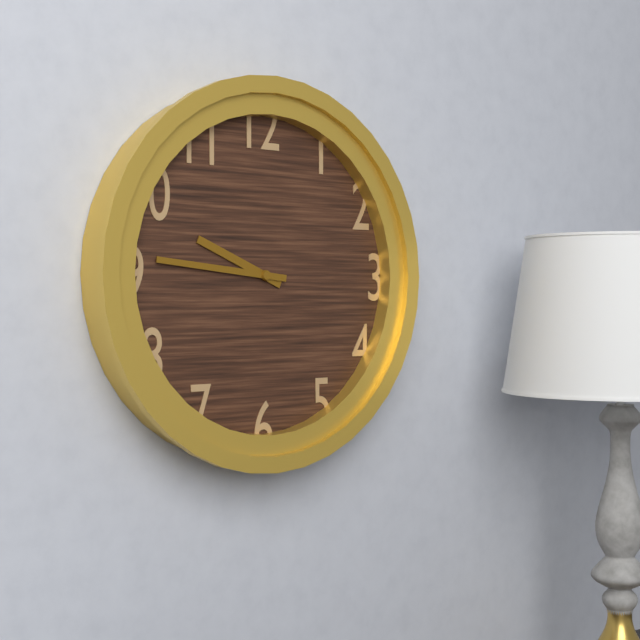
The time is 9,46
